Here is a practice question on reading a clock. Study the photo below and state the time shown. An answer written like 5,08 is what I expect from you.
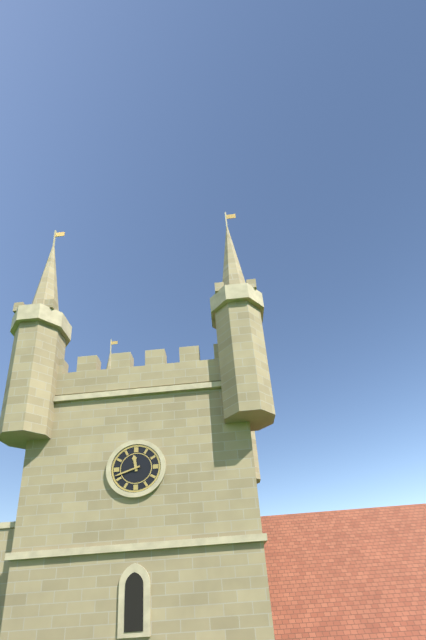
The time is 11,42
